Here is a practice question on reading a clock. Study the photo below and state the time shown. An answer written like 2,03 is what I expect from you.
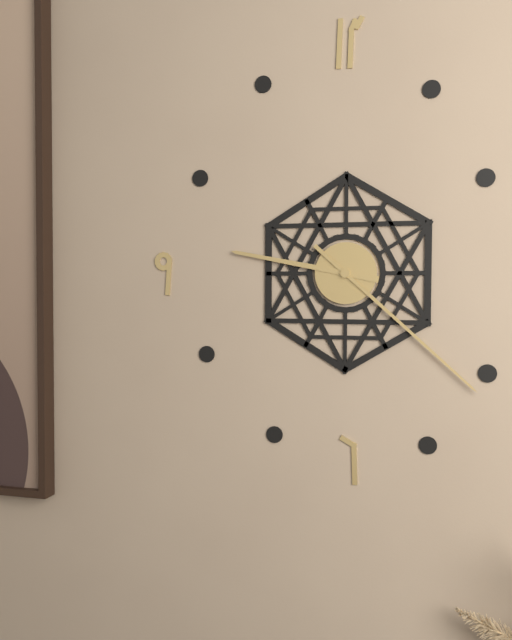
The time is 9,22
